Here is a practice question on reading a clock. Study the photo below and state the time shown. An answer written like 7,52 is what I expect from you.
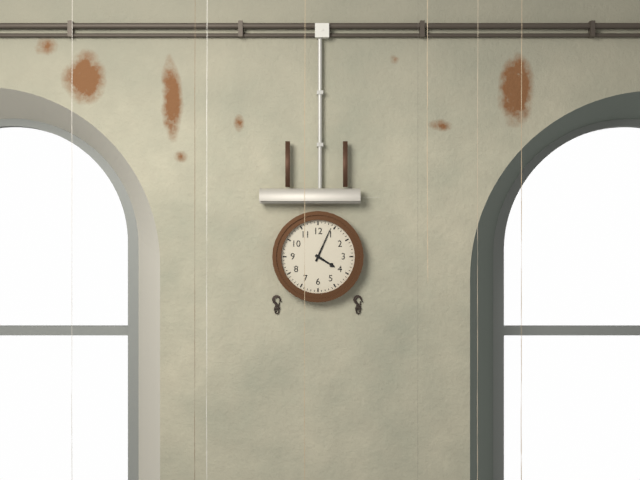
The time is 4,04
